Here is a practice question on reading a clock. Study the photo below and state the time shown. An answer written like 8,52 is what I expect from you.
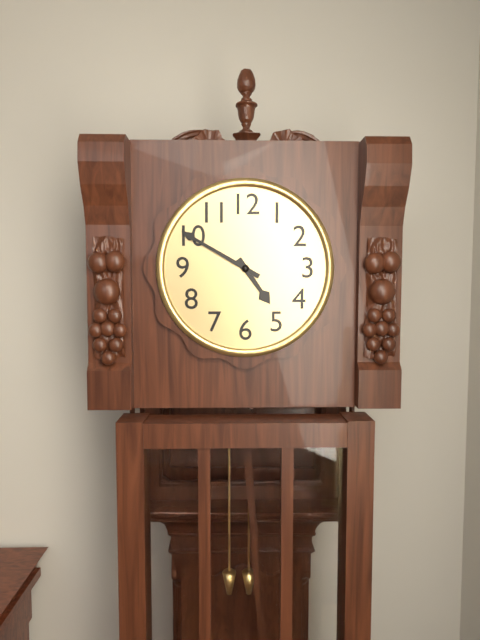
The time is 4,50
